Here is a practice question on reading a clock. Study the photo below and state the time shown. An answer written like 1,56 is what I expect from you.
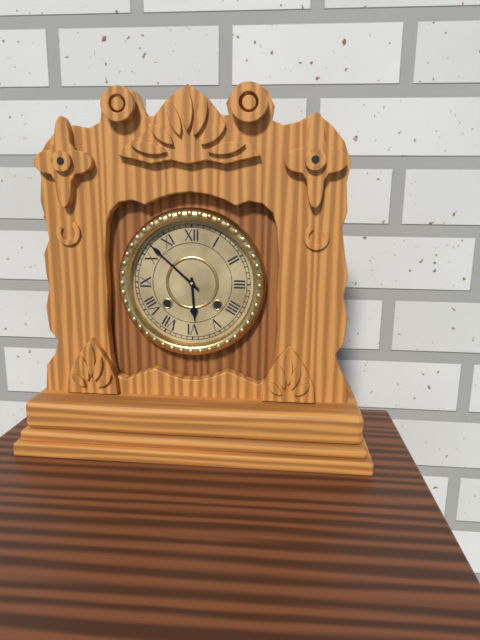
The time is 5,52
